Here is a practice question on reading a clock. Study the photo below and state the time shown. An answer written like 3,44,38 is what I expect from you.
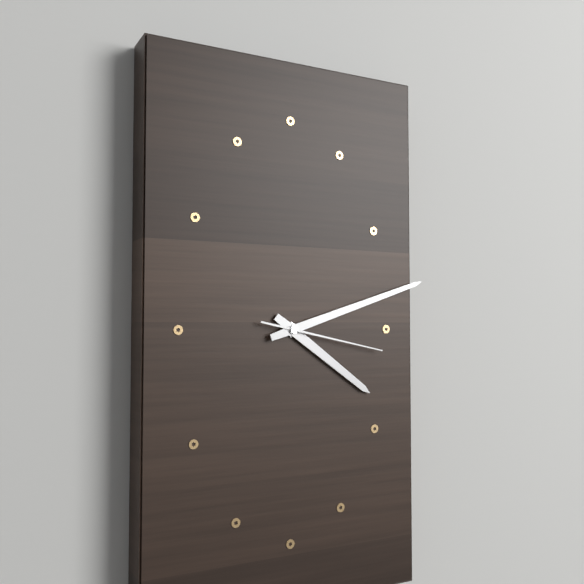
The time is 4,12,17
